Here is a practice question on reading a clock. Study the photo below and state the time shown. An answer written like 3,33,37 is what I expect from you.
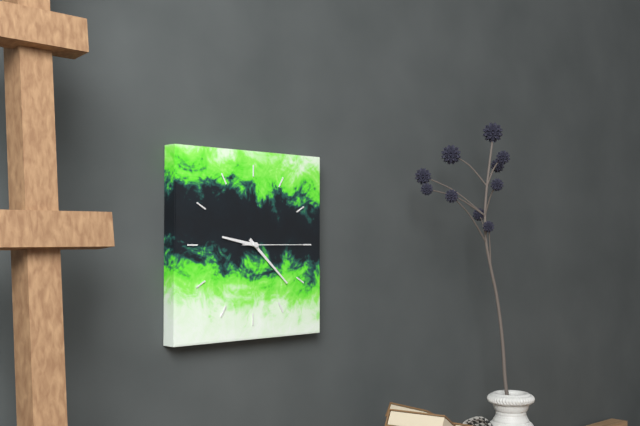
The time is 9,22,15
